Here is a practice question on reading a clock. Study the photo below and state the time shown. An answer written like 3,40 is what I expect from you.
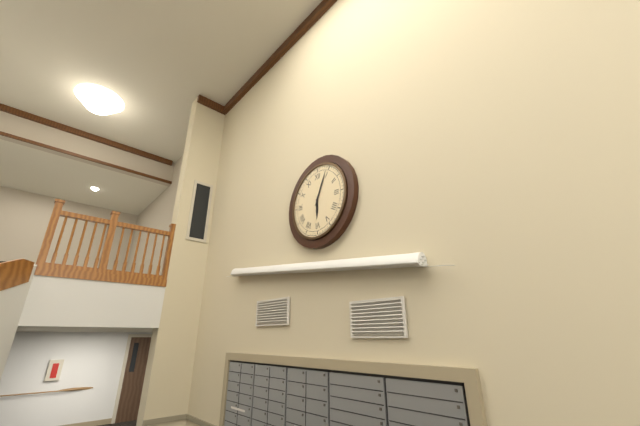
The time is 6,04
